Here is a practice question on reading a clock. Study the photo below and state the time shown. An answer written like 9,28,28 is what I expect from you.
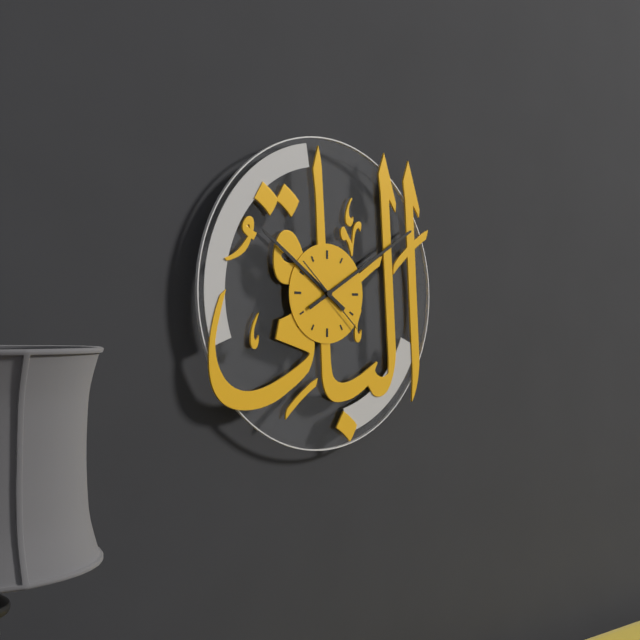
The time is 10,10,22
